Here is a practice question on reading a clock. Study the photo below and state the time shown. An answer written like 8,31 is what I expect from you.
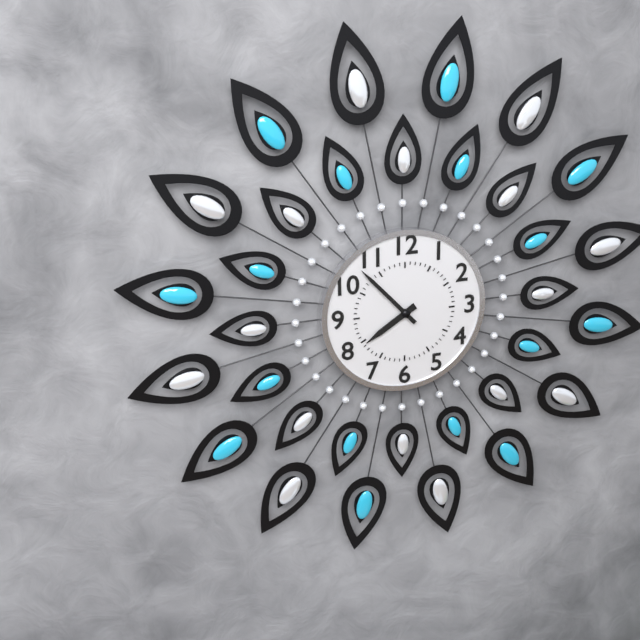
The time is 7,53
